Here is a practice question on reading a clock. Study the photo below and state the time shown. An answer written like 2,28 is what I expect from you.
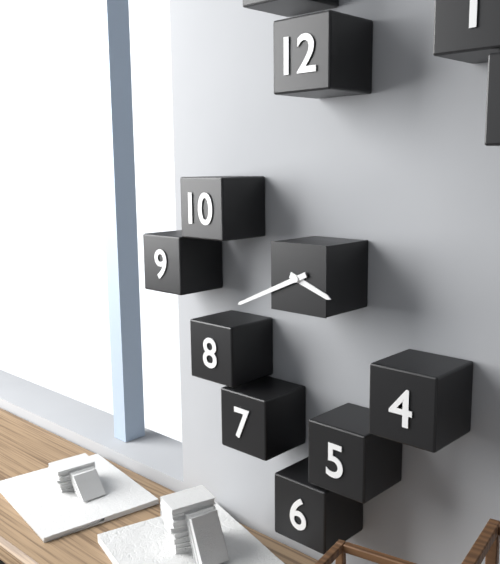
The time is 3,41
